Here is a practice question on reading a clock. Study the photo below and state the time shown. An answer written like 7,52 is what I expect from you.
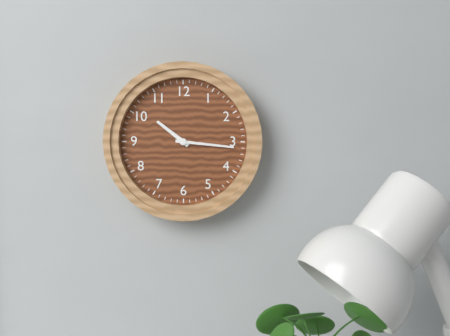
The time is 10,16
